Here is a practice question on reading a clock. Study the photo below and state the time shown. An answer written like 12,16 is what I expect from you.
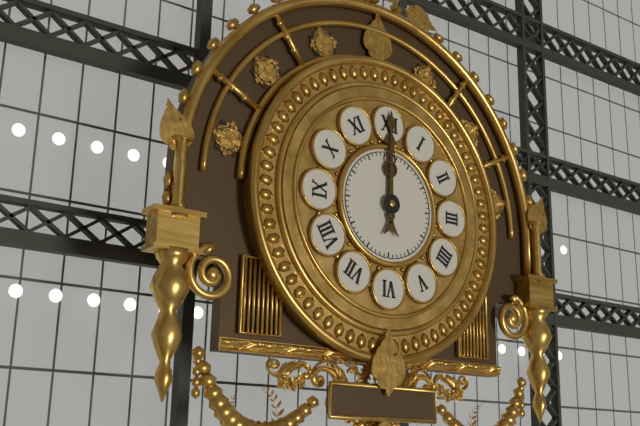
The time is 12,00
